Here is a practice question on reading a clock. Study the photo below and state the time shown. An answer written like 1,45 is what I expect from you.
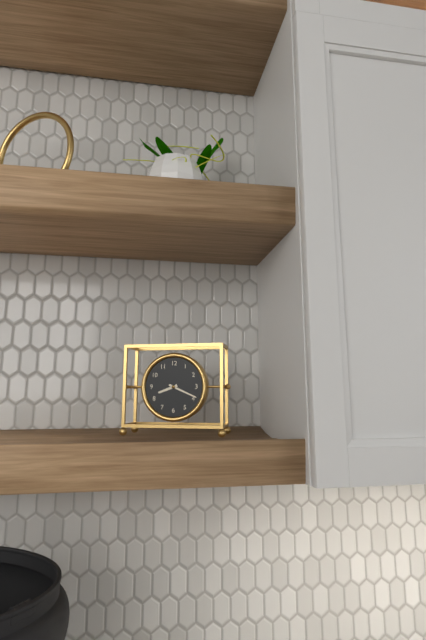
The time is 8,19
